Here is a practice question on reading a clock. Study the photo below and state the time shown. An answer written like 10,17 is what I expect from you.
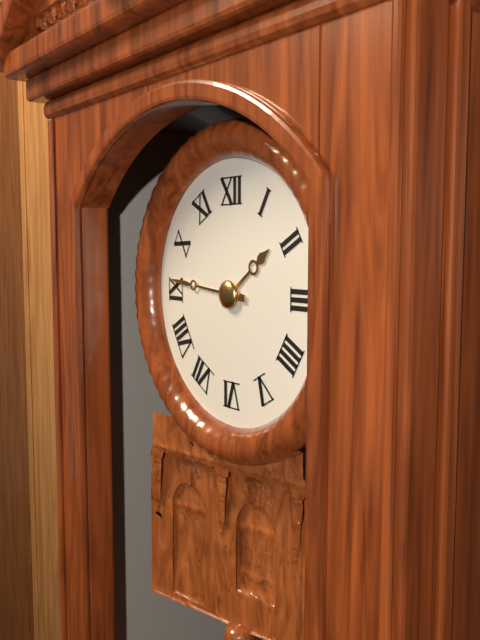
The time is 1,46
